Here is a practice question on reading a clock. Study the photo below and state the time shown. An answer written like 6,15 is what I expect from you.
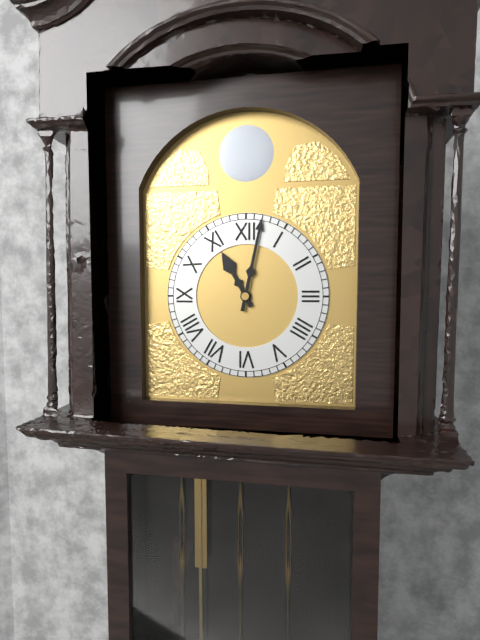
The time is 11,02
